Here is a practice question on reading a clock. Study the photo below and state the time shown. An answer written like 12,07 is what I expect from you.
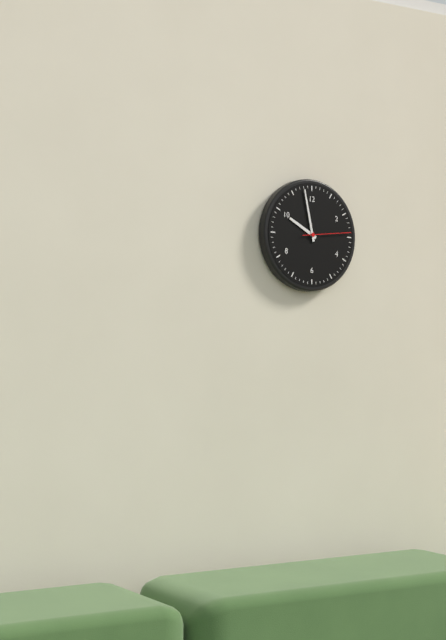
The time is 9,58
